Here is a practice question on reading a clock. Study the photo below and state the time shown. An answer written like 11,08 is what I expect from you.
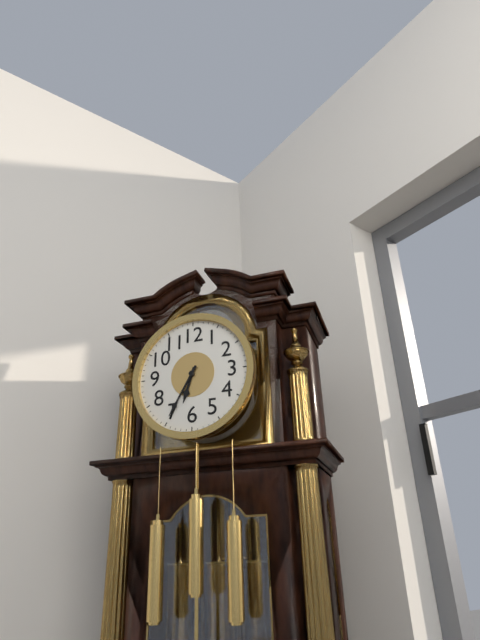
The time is 6,35
